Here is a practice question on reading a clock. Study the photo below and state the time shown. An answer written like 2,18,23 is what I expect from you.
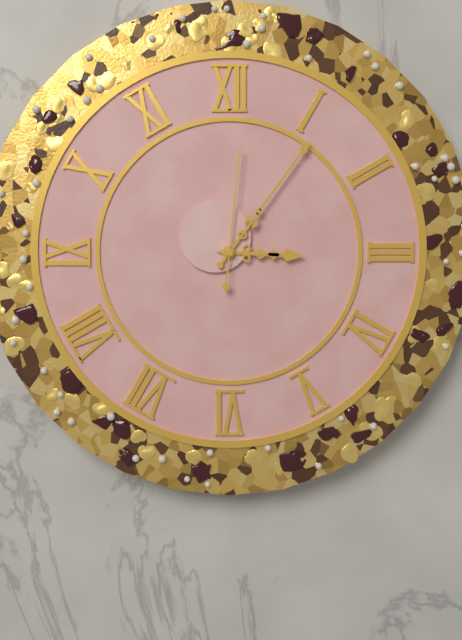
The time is 3,06,01
